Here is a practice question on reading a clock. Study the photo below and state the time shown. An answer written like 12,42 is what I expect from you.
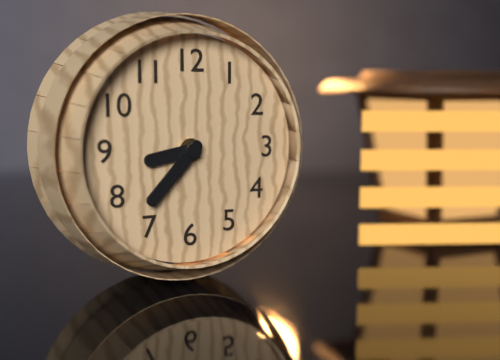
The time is 8,37
